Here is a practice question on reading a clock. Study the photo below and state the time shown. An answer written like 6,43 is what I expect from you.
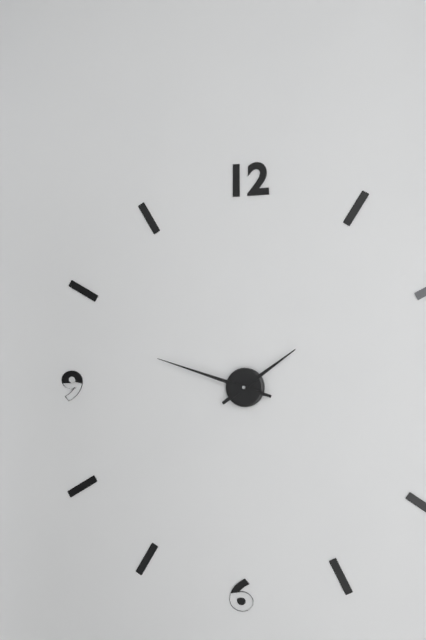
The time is 1,48
